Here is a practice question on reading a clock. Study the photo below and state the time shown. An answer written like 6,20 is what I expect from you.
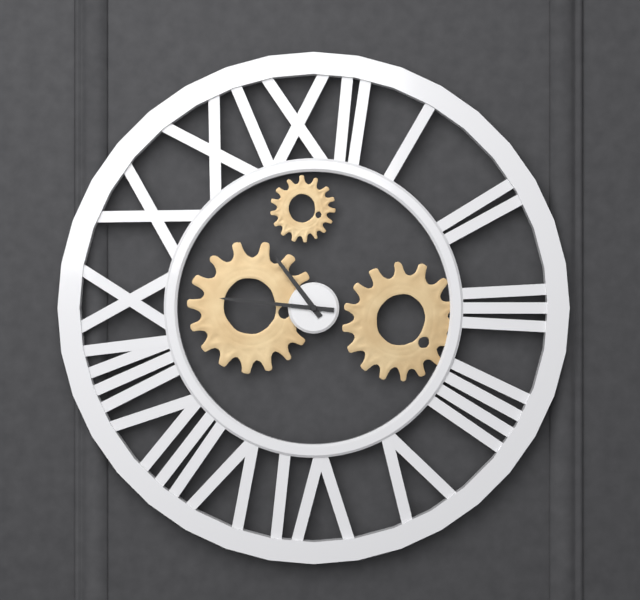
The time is 10,46
